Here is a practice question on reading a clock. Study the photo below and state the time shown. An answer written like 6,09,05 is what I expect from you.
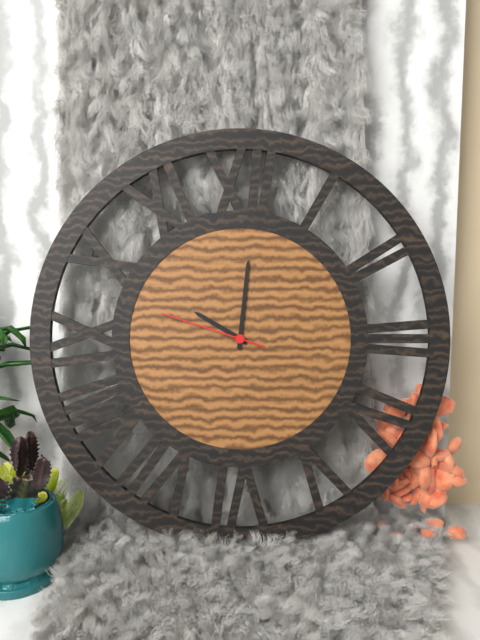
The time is 10,01,48
